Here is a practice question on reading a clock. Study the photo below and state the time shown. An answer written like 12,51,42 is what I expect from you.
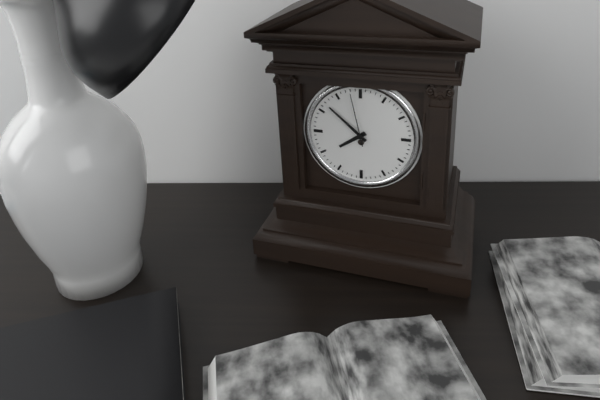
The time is 7,52,58
